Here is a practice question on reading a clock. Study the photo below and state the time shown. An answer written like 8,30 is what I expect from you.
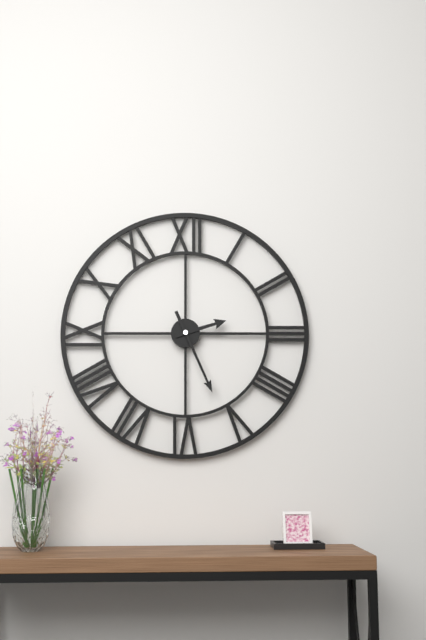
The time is 2,26
